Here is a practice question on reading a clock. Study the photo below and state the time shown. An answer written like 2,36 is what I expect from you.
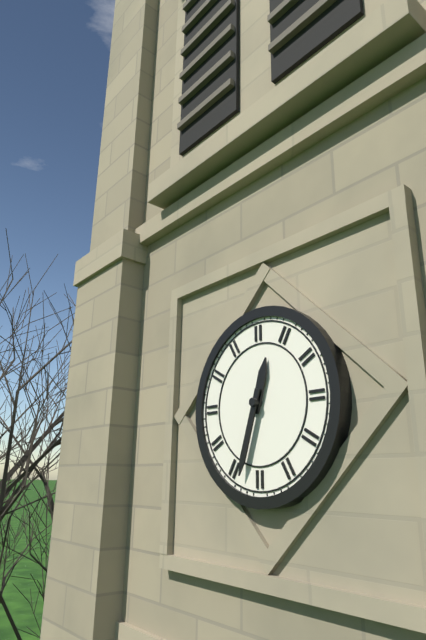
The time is 12,33
